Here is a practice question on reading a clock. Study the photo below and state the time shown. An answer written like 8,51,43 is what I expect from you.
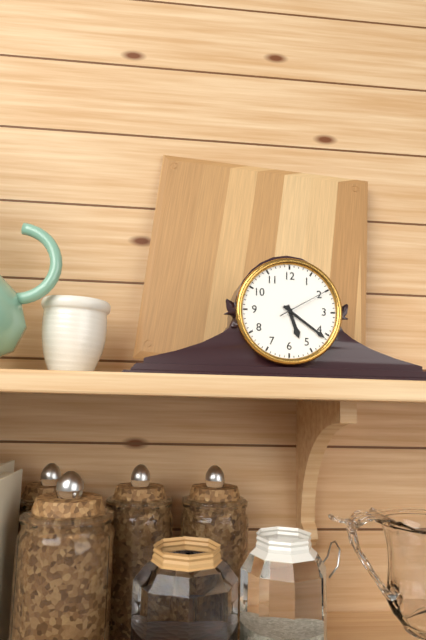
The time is 5,21,10
